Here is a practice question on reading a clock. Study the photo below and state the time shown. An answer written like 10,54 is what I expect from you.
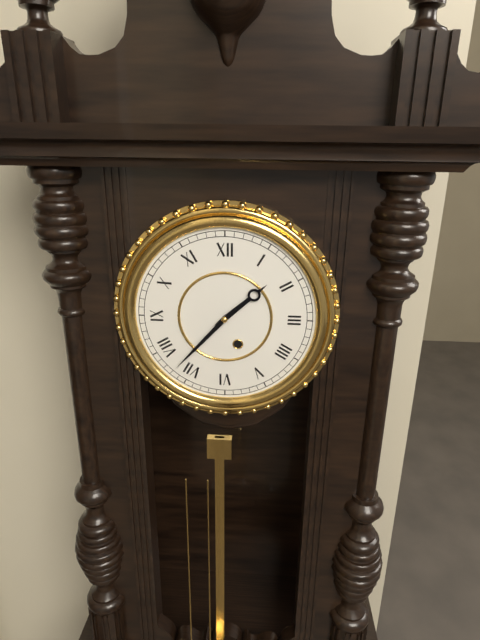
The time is 1,37
